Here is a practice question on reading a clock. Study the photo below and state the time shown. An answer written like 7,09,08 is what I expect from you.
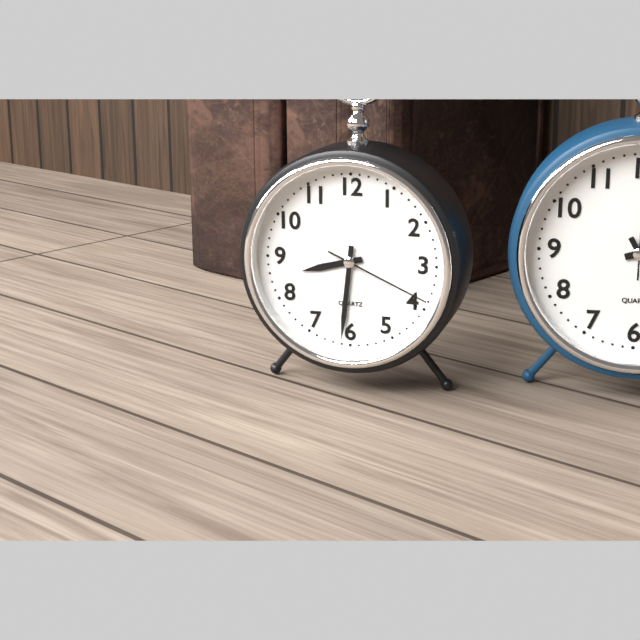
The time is 8,31,19
